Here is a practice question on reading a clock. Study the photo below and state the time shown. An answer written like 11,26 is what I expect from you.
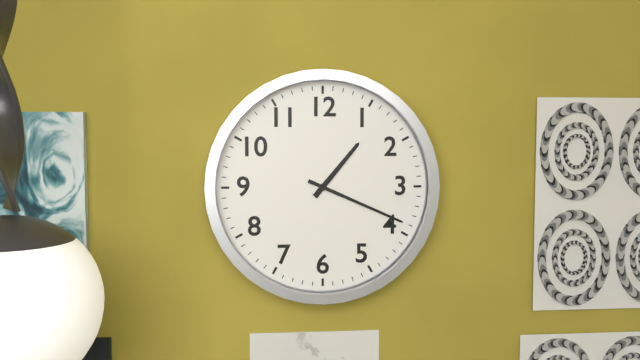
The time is 1,19
